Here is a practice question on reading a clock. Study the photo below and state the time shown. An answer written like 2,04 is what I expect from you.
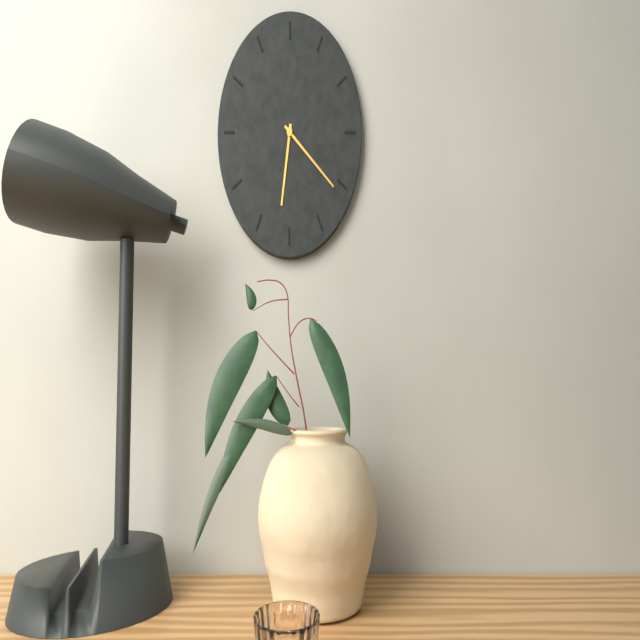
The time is 6,21
